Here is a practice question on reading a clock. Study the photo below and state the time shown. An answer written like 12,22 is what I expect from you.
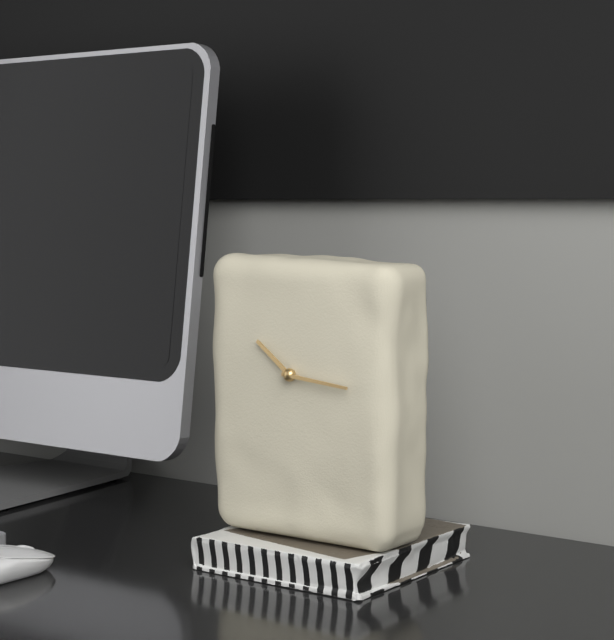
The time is 10,16
